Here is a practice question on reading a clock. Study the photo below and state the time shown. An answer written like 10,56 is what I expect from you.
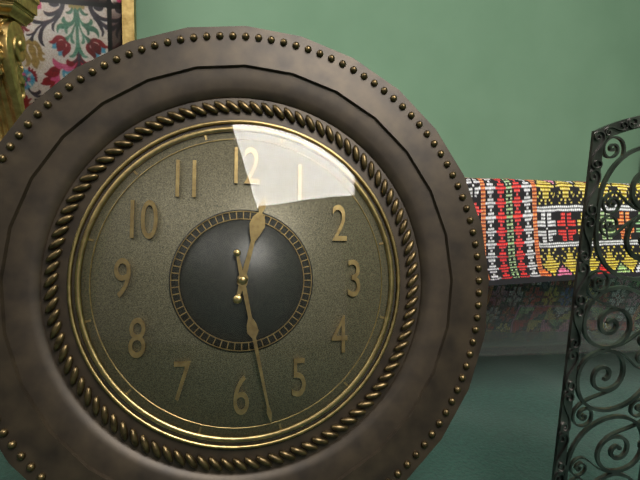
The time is 12,28
